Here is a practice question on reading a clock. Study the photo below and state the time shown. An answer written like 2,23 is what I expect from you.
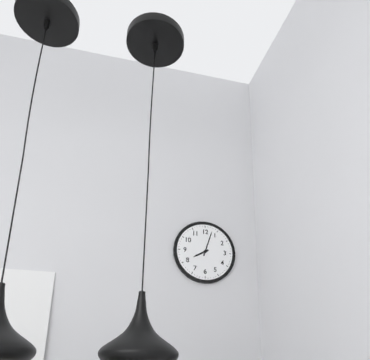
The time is 8,03
